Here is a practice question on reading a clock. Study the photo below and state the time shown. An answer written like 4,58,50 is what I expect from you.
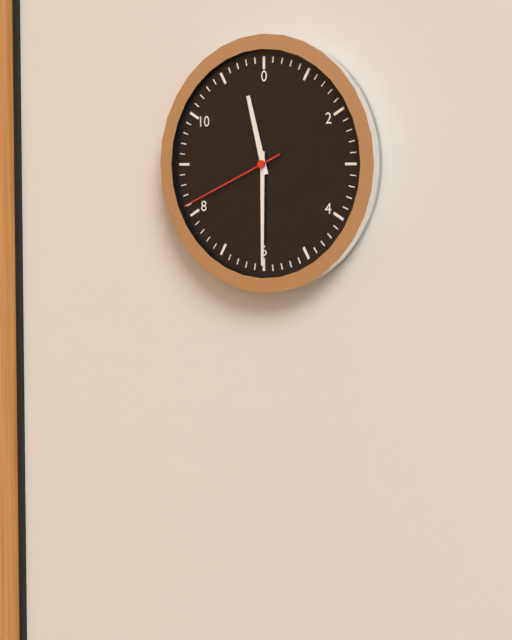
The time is 11,30,41
